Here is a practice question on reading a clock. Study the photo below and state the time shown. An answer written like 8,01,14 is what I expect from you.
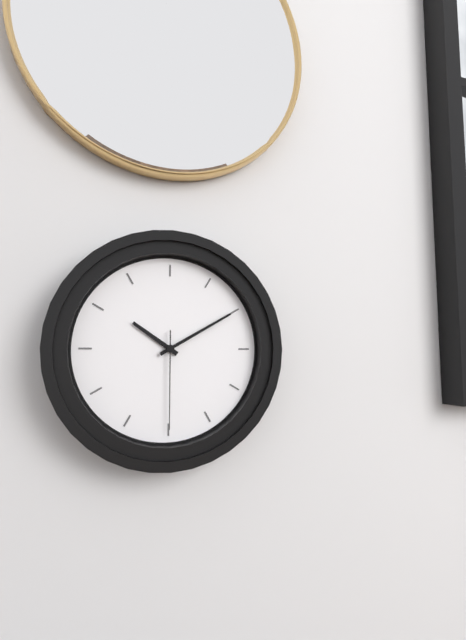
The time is 10,10,30
